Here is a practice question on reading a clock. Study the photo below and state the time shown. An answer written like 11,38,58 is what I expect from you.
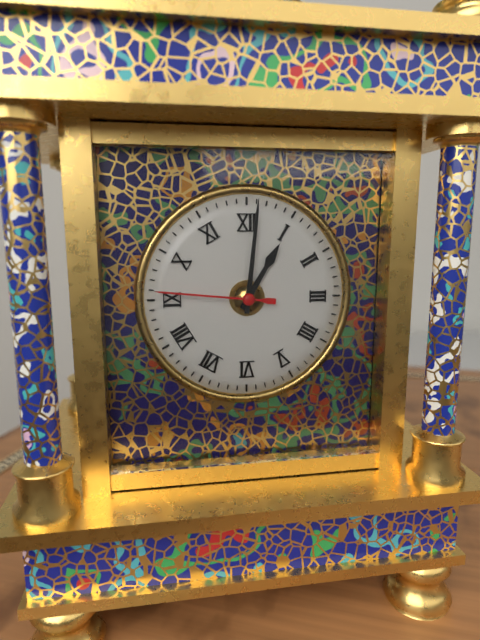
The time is 1,01,46
